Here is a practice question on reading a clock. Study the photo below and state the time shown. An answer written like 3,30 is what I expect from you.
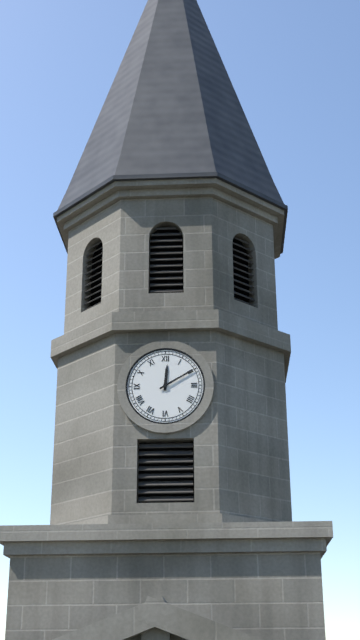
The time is 12,10
